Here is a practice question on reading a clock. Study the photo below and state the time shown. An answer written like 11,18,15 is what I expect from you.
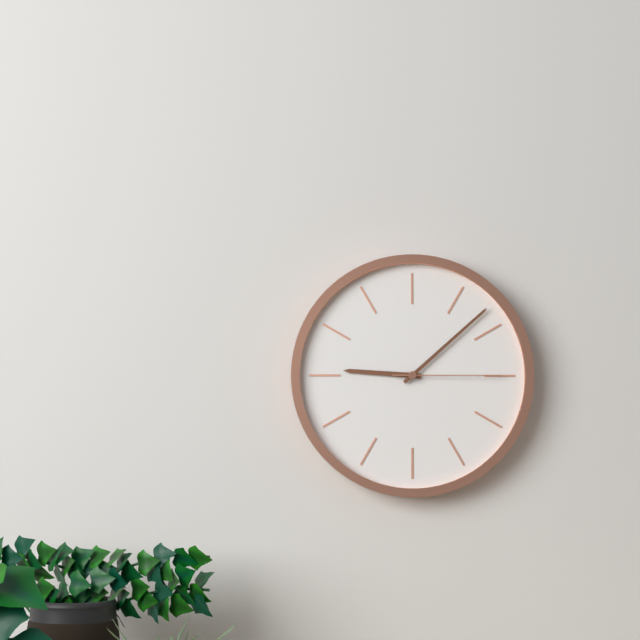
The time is 9,08,15
